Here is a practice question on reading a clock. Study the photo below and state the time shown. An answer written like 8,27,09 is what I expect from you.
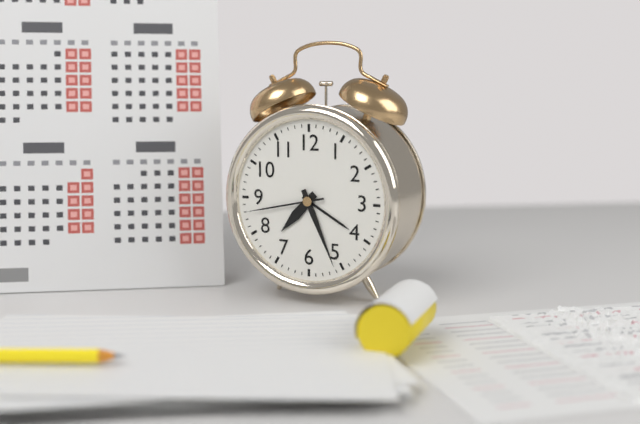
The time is 7,26,43
